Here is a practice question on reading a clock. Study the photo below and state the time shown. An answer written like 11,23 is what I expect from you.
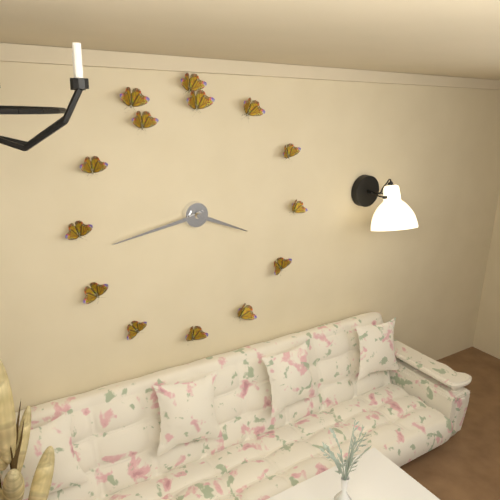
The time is 3,43
